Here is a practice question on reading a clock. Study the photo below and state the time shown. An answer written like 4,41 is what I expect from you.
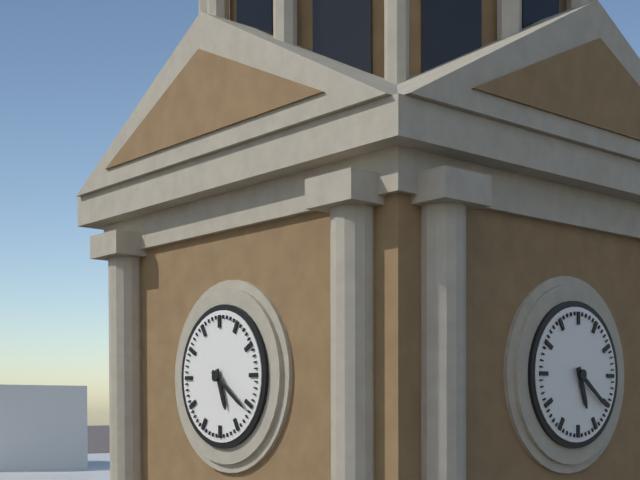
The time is 5,21
